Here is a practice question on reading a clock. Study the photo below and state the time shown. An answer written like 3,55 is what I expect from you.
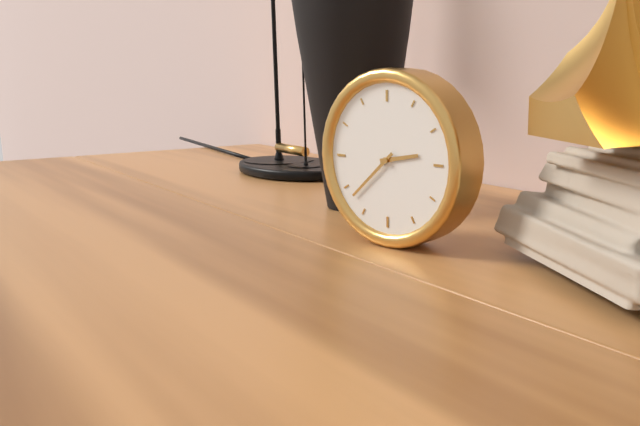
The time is 2,38
